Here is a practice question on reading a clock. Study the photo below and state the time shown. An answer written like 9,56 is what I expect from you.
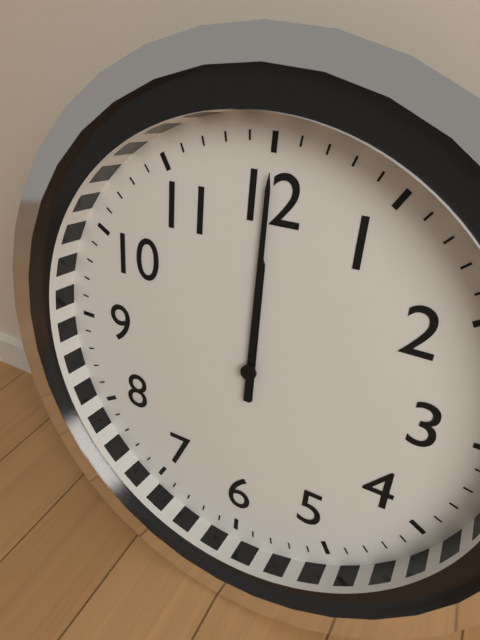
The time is 12,00
